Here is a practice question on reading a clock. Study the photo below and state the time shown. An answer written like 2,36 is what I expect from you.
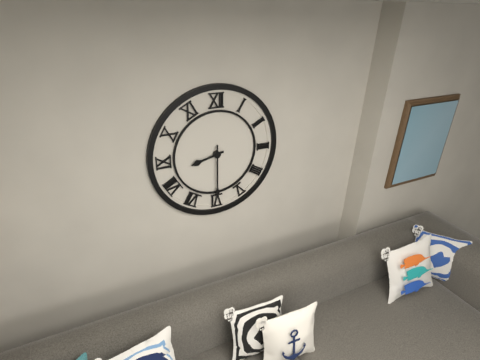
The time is 8,30
